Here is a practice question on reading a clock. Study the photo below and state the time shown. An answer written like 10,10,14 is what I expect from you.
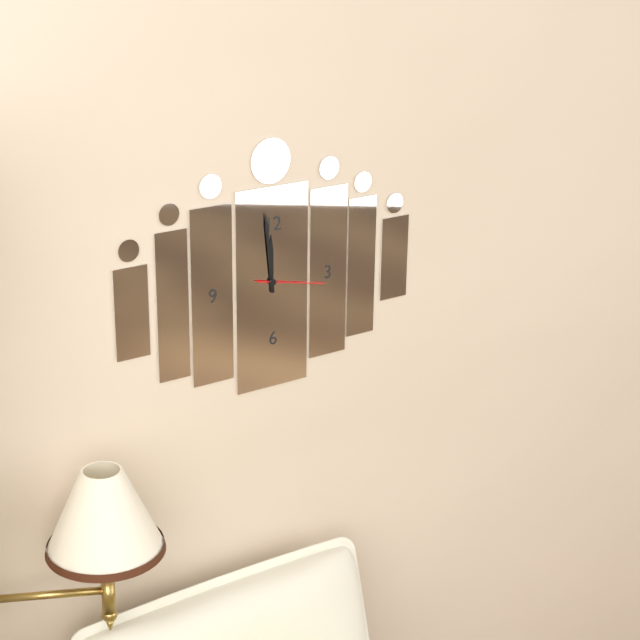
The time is 11,59,17
